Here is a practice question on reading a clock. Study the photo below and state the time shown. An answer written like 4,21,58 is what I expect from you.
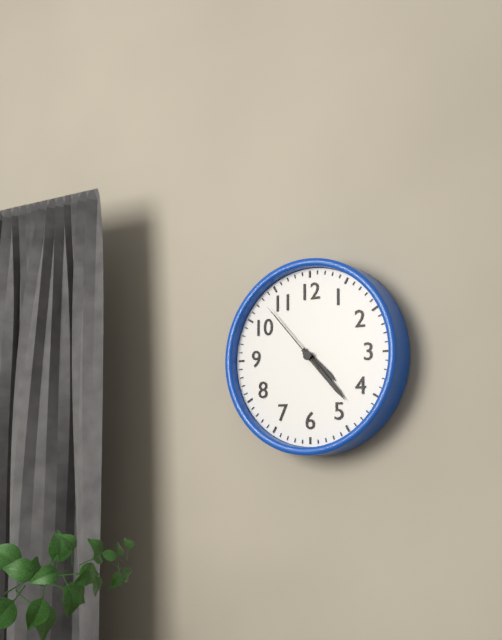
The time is 4,23,53
